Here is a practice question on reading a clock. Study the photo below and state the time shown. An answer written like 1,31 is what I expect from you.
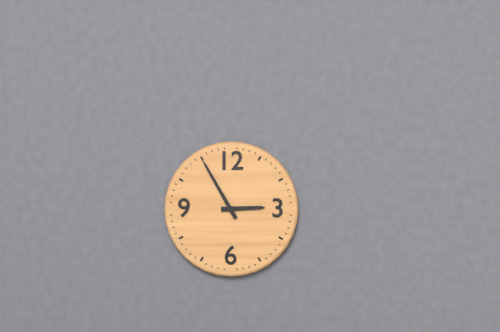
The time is 2,55
